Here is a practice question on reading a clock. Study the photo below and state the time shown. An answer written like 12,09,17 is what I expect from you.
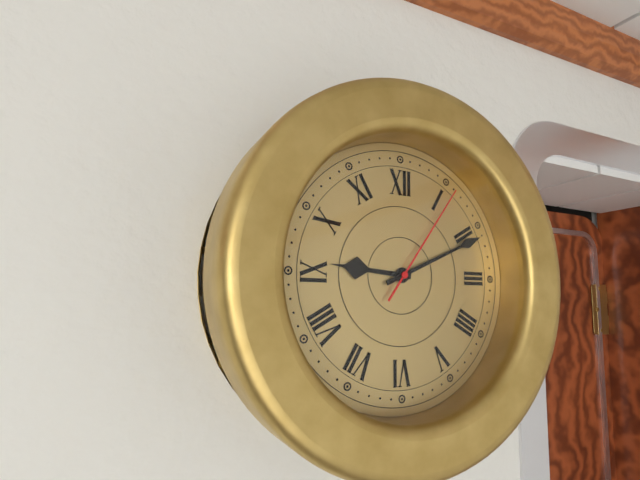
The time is 9,11,06
